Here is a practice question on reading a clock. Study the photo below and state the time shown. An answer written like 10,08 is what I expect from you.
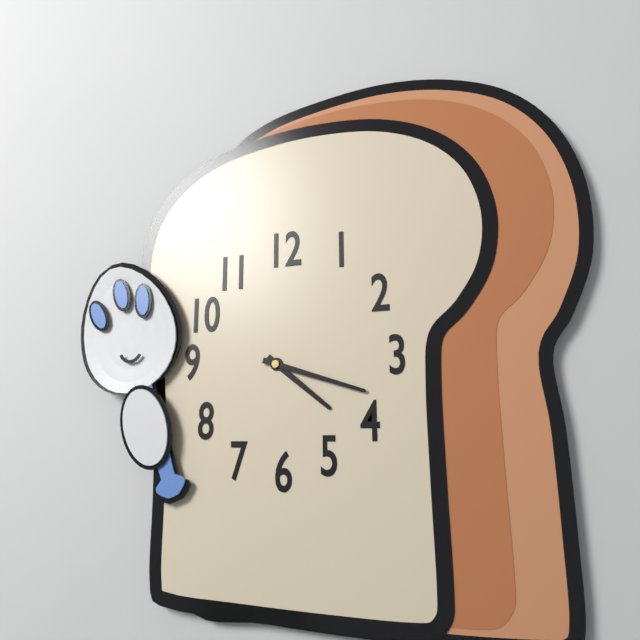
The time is 4,18
